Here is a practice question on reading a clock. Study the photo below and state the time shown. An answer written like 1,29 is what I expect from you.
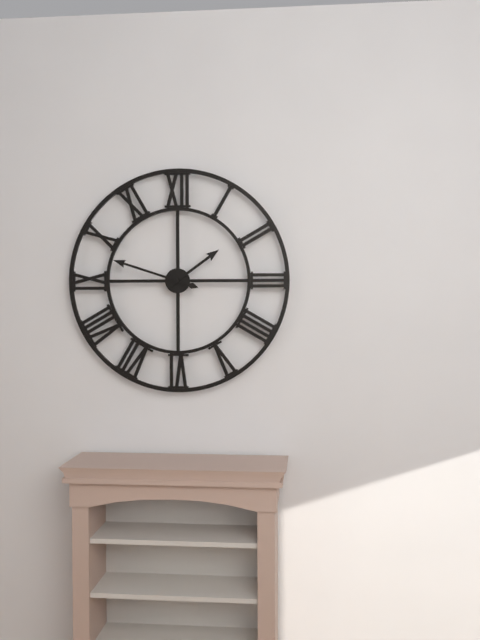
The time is 1,48
